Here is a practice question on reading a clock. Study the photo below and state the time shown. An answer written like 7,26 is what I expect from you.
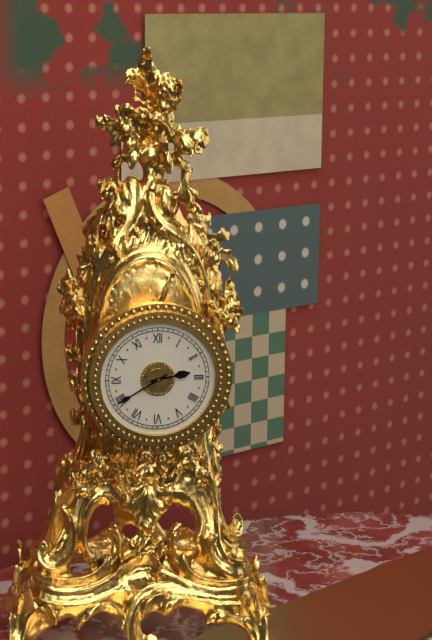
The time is 2,40
